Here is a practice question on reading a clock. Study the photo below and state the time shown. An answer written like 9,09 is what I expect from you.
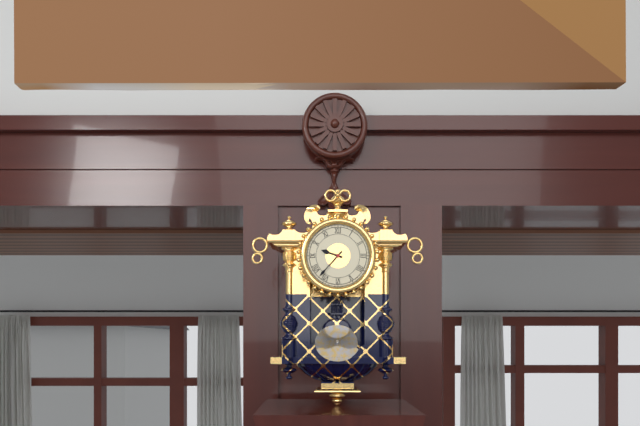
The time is 9,37
